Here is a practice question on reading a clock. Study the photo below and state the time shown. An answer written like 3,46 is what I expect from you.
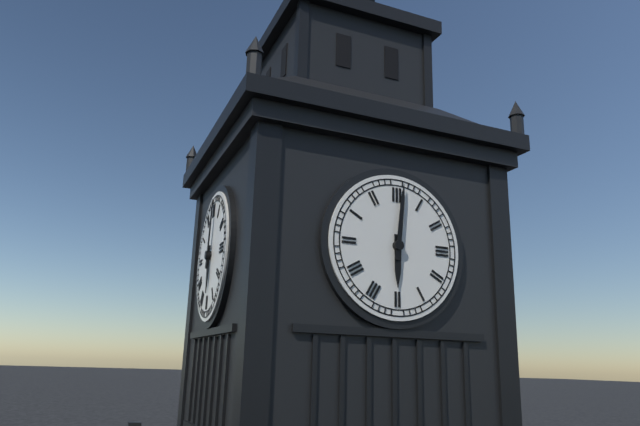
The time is 6,01
